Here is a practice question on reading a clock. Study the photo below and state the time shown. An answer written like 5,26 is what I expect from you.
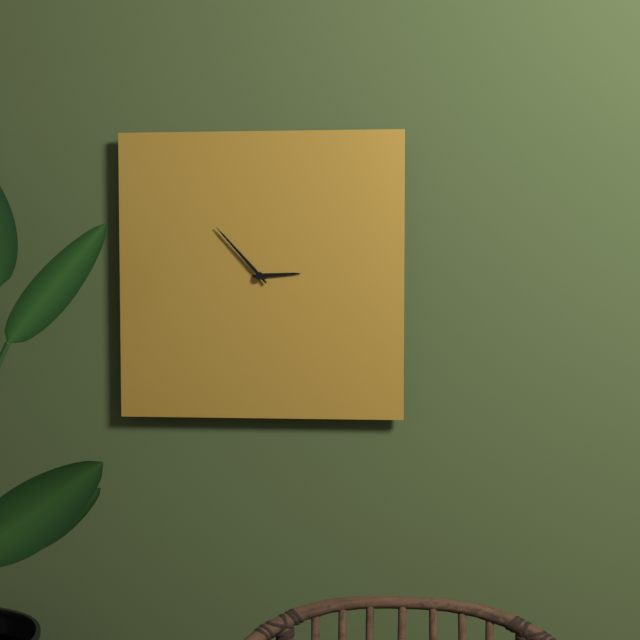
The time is 2,53
